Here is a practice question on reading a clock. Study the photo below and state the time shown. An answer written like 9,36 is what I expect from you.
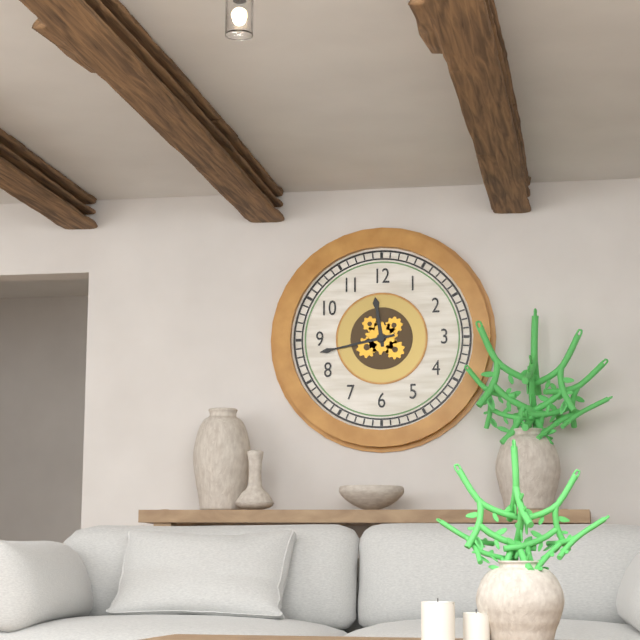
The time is 11,43
